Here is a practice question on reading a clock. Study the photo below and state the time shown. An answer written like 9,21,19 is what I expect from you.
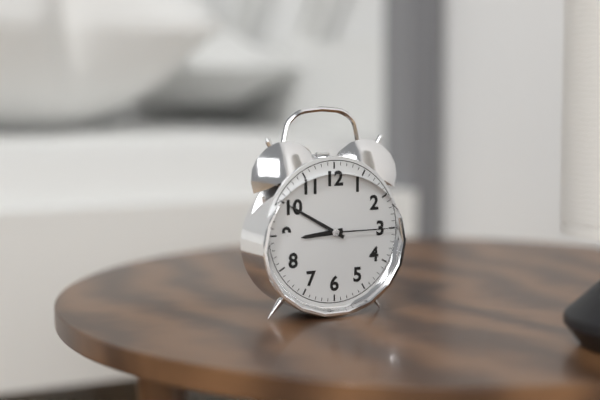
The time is 8,50,15
